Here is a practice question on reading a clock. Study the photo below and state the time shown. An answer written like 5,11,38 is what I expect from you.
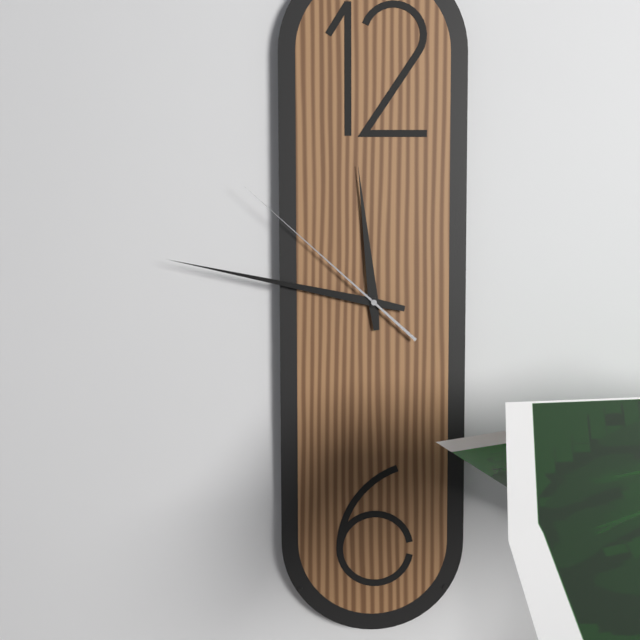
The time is 11,47,52
